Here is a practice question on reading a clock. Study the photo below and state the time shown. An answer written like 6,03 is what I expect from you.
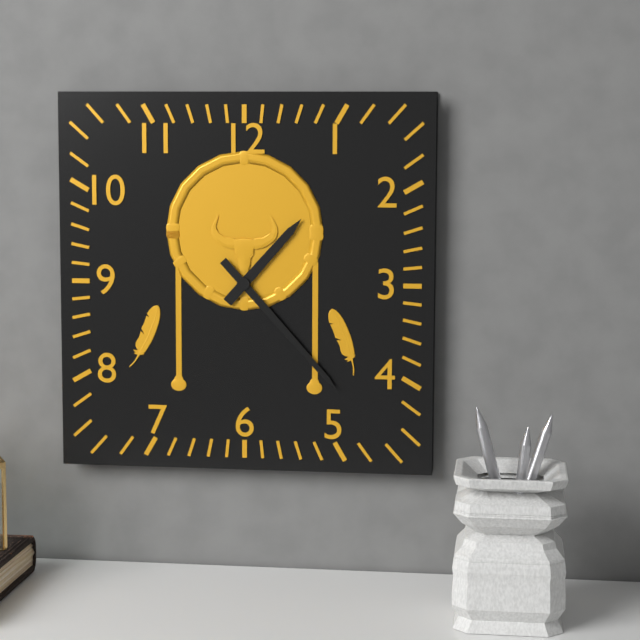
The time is 1,23
